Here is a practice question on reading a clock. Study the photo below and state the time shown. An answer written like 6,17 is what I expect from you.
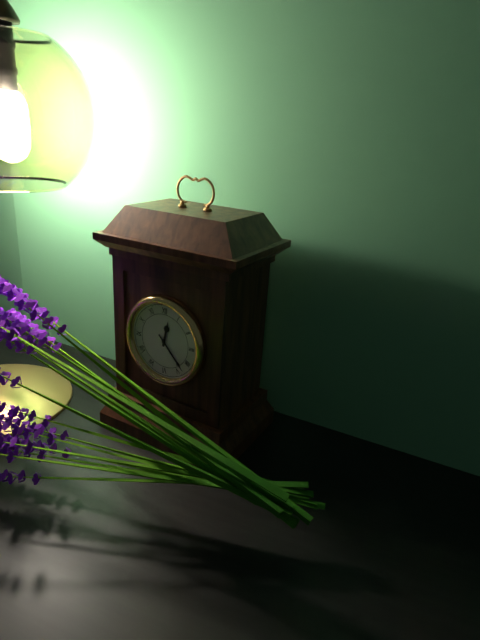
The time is 12,23
